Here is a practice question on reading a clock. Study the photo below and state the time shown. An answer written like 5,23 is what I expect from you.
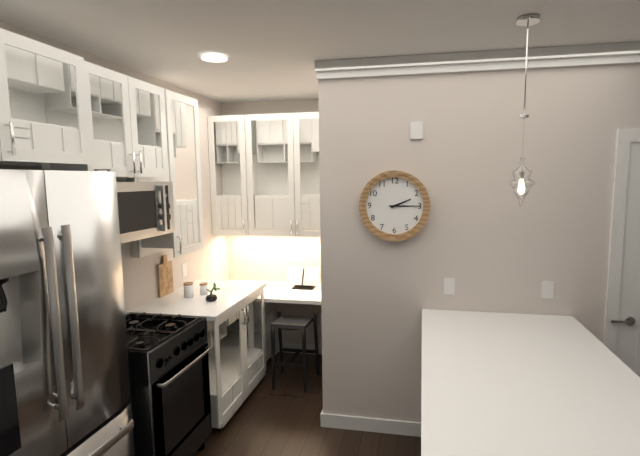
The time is 2,15
